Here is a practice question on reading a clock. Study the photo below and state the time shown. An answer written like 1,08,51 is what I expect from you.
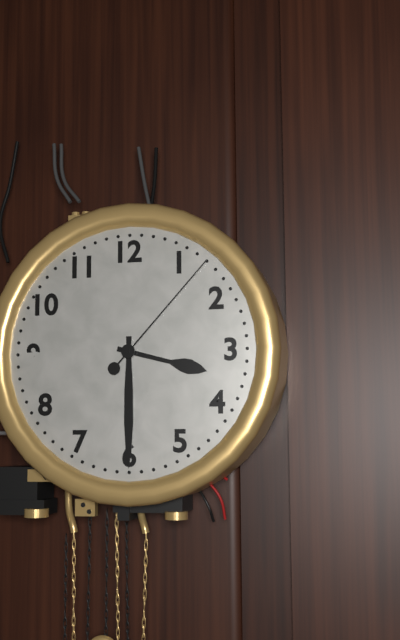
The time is 3,30,07
